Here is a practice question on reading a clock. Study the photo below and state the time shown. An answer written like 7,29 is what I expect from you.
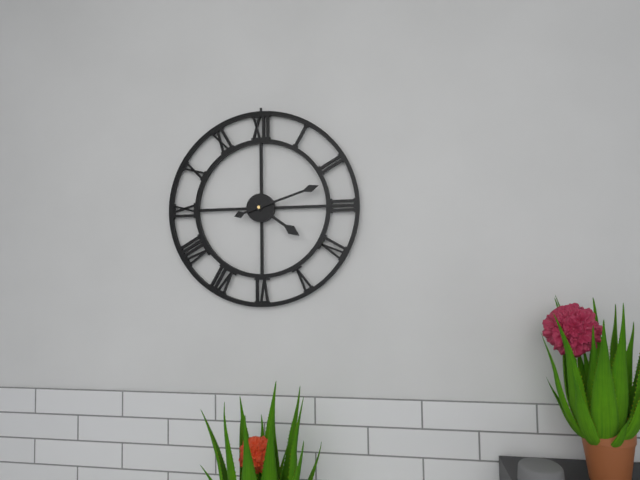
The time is 4,12
